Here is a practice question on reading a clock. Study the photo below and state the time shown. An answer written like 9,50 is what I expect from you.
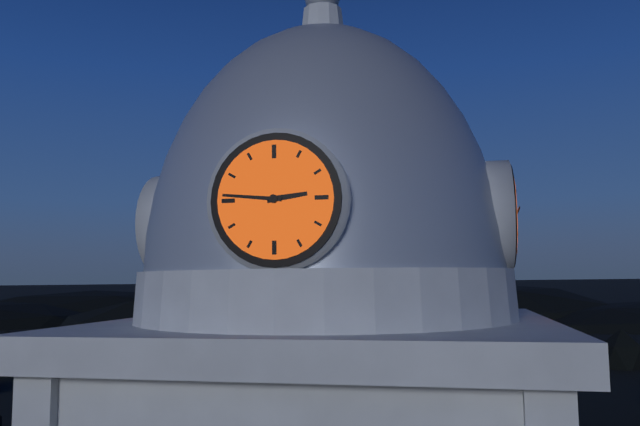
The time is 2,46
